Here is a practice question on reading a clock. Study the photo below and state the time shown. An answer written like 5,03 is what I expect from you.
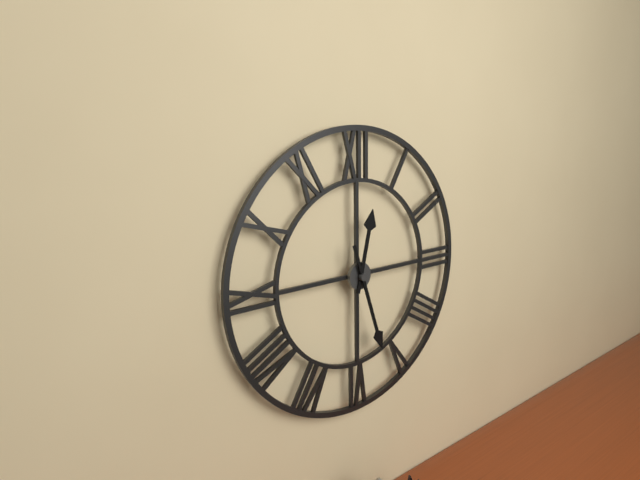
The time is 12,27
